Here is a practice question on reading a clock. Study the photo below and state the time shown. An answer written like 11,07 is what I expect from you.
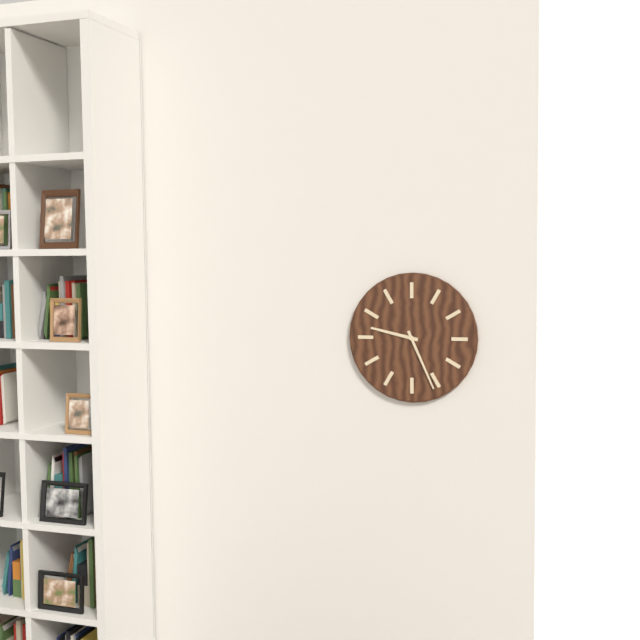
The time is 9,26
